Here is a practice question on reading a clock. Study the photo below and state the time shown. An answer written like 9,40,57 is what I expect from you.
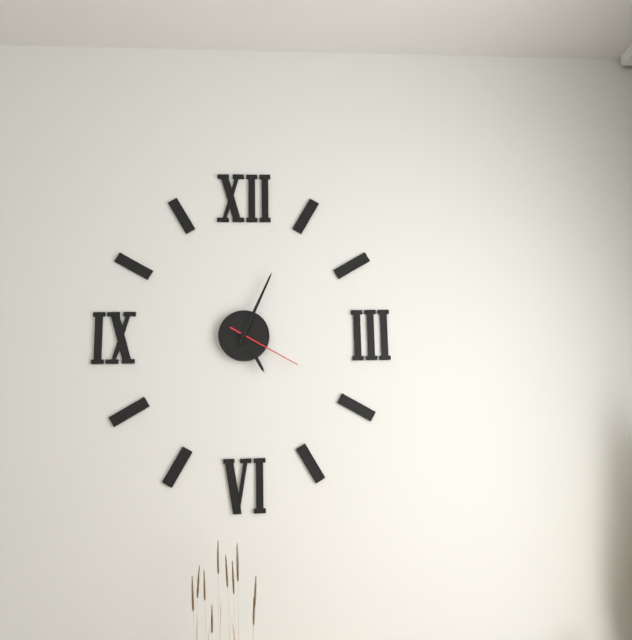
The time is 5,04,20
